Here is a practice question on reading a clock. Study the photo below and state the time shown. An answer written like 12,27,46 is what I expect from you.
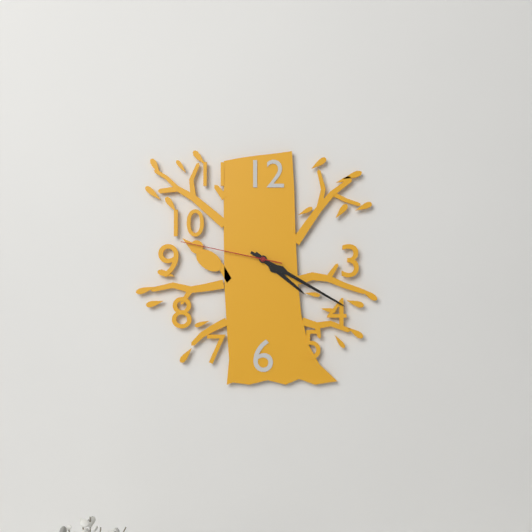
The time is 4,20,47
